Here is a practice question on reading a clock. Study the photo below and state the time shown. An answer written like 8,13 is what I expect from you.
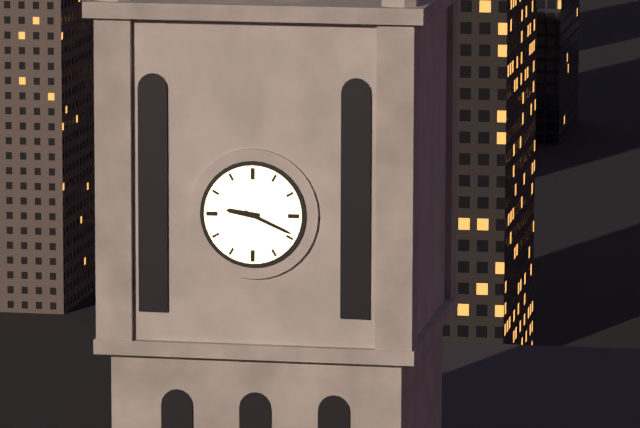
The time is 9,19
